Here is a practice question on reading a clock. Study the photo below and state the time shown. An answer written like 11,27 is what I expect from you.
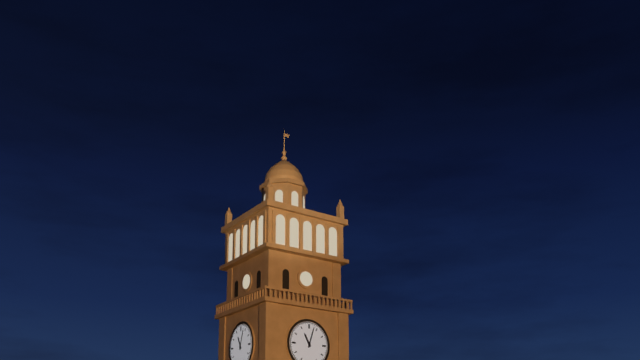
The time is 11,03
